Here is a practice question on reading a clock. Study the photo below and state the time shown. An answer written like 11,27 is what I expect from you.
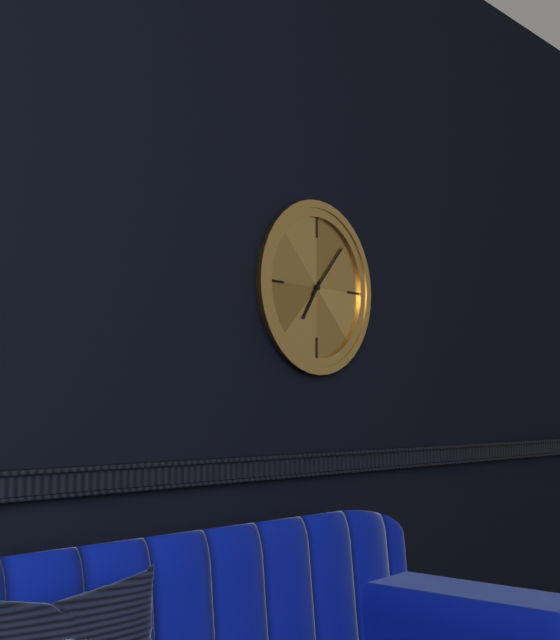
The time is 7,07
